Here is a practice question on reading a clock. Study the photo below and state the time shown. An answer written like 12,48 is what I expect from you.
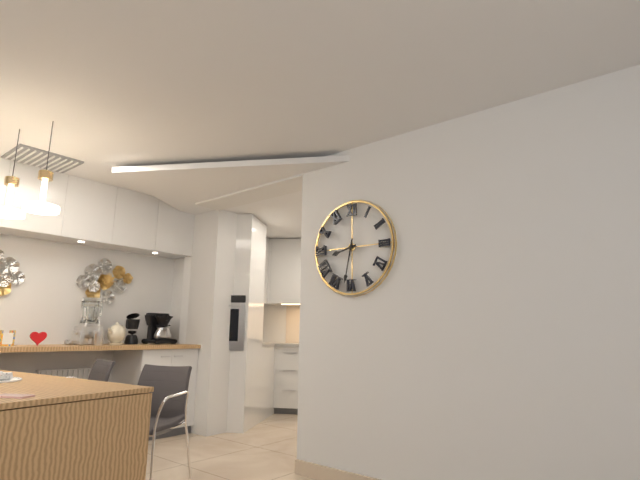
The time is 8,32
